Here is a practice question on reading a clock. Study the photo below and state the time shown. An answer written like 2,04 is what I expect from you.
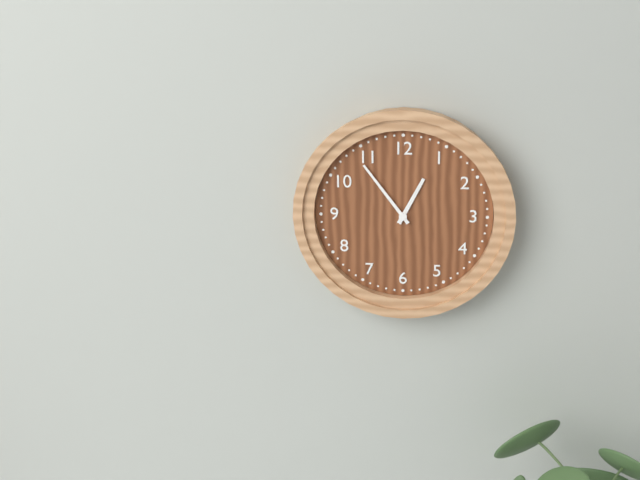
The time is 12,54
